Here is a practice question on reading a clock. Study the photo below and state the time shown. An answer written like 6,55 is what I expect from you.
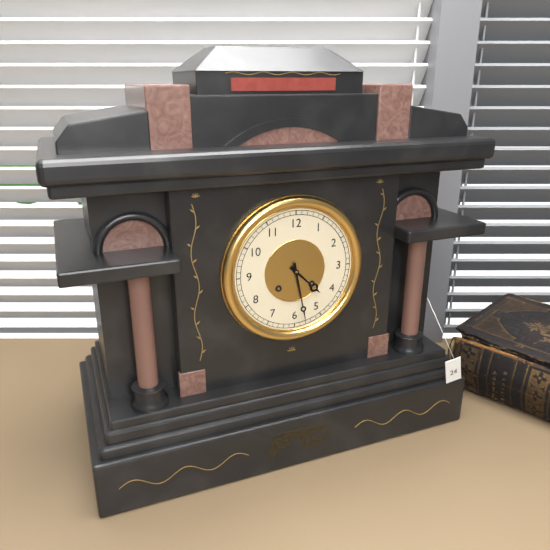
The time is 4,28
